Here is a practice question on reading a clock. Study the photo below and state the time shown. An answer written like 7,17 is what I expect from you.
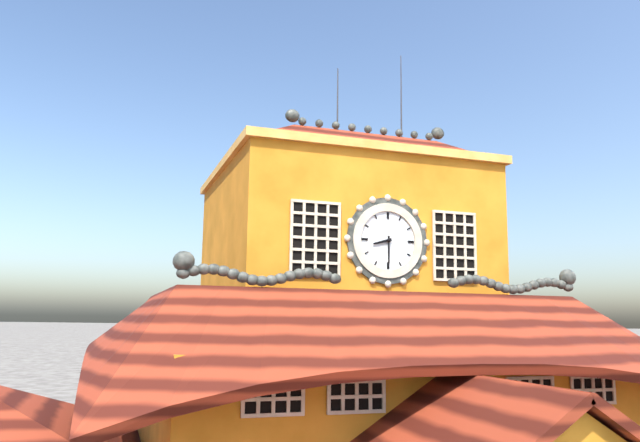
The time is 8,30
